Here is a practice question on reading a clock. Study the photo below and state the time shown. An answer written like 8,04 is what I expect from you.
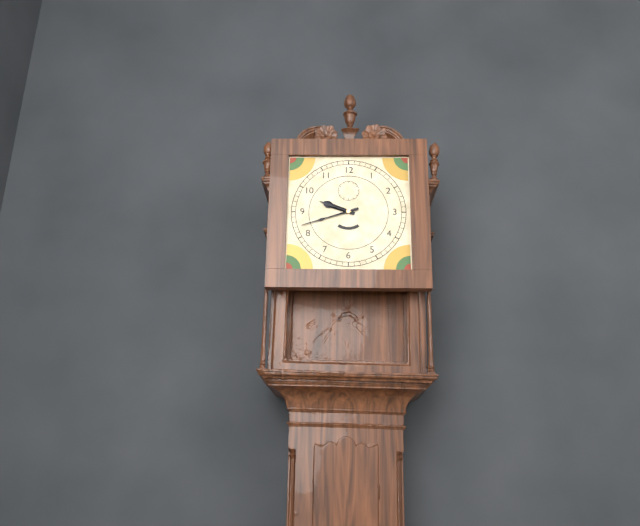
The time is 9,42
